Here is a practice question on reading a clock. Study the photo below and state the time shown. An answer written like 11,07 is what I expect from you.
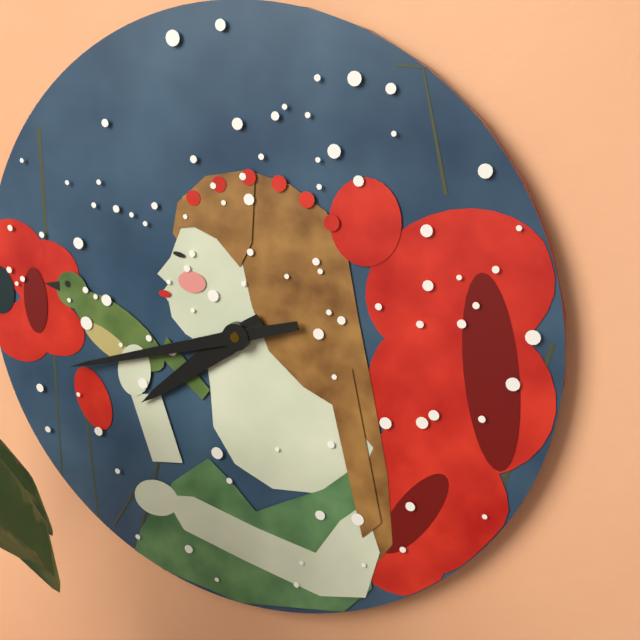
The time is 7,42
